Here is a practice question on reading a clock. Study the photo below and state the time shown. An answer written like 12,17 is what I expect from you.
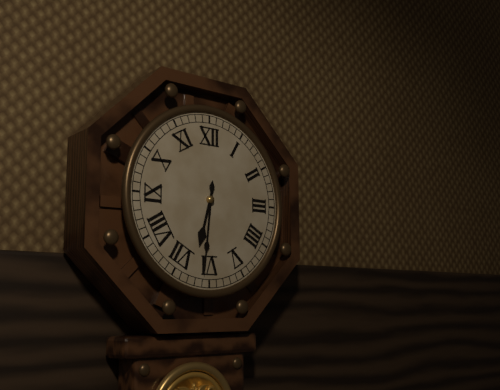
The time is 6,31
